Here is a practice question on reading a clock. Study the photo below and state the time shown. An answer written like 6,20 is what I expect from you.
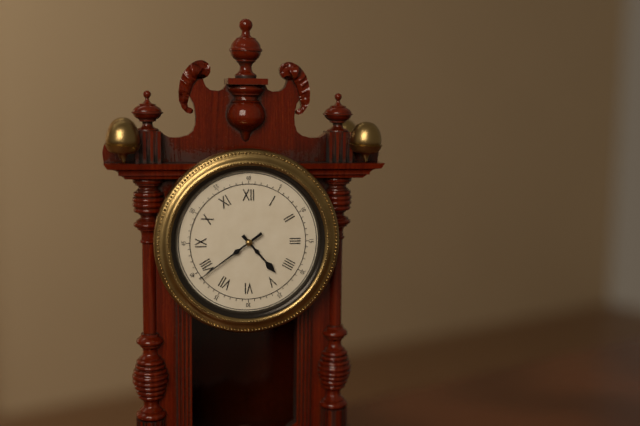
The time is 4,39
